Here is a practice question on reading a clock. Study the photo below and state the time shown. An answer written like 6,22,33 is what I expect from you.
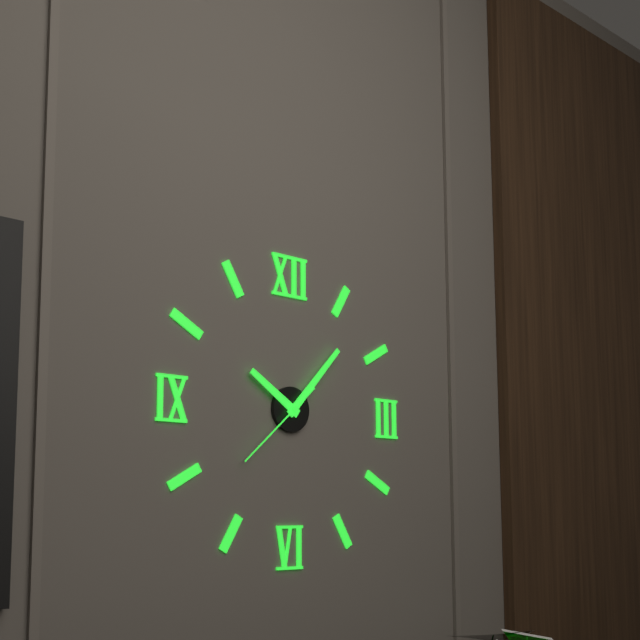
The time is 10,07,38
